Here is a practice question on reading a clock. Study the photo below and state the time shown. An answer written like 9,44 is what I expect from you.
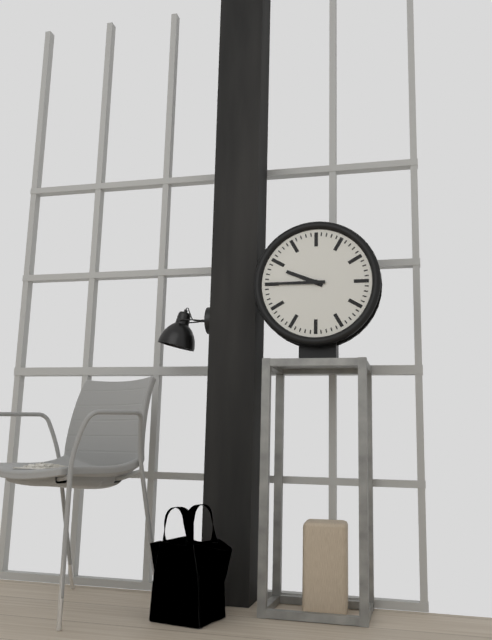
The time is 9,45
